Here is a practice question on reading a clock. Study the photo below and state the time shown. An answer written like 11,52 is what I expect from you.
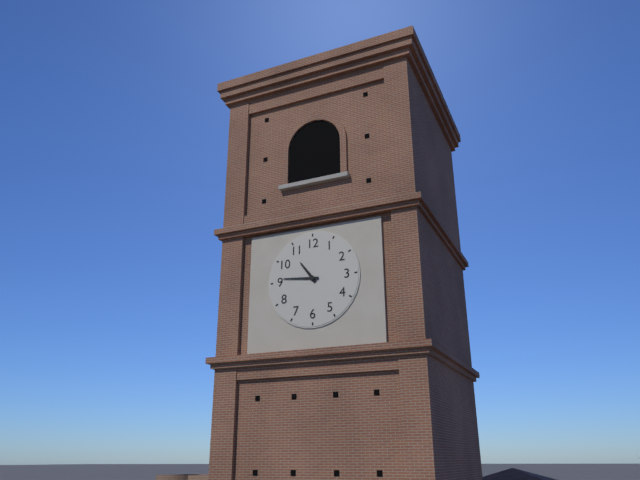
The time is 10,46
